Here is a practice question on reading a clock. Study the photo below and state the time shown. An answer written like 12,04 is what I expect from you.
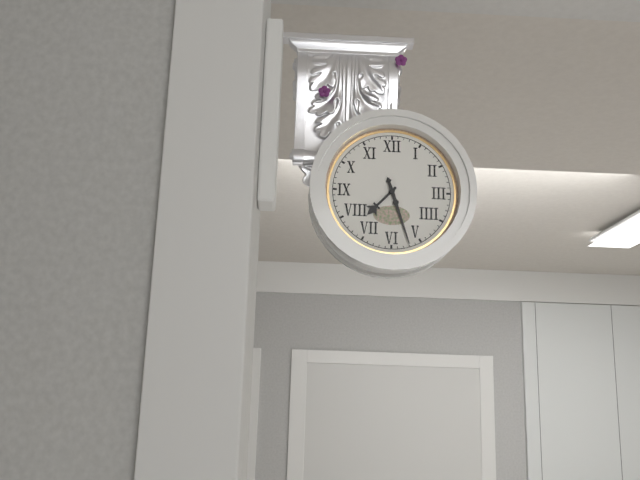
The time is 7,27
